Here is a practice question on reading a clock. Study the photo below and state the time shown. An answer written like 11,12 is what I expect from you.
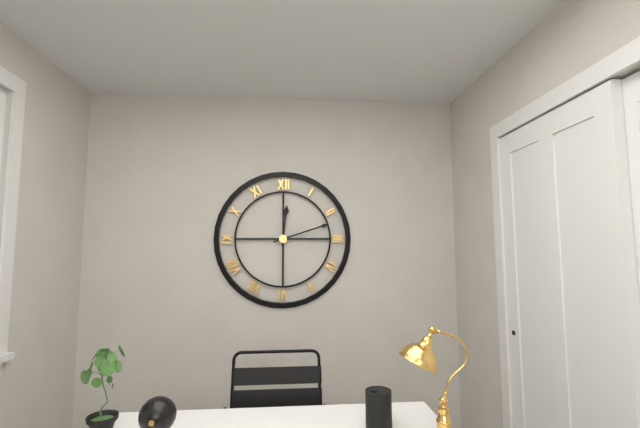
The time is 12,12
